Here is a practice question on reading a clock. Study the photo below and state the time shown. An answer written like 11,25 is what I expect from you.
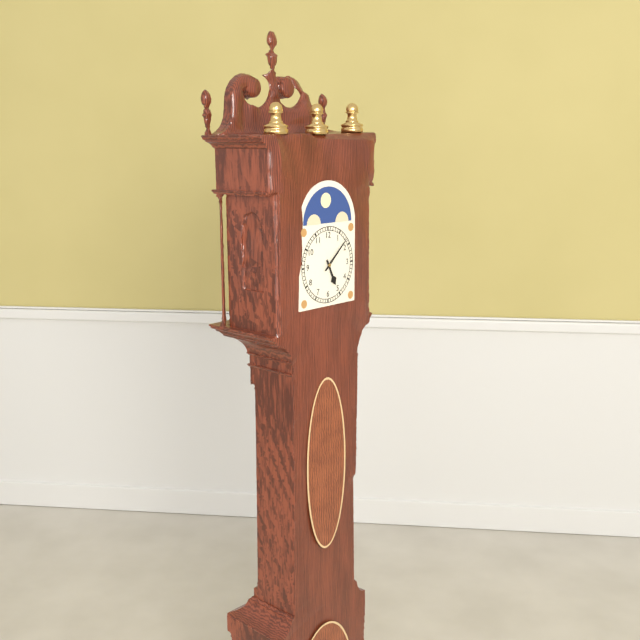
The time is 5,08
